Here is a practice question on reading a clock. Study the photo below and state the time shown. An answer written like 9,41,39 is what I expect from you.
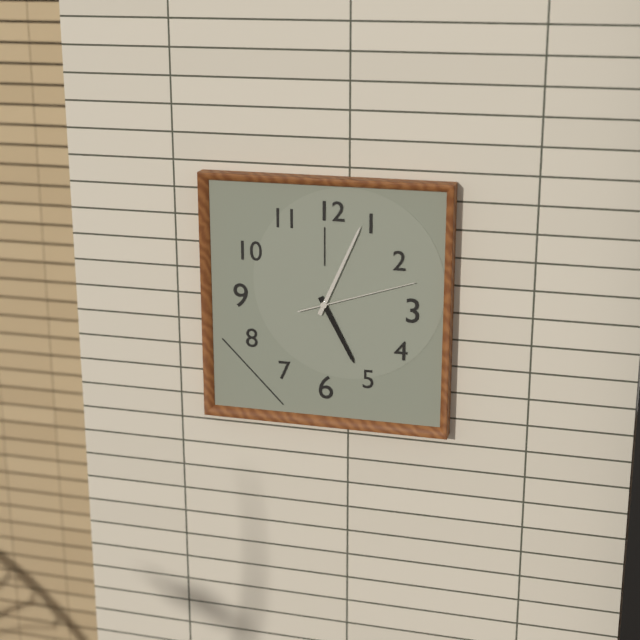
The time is 5,04,12
